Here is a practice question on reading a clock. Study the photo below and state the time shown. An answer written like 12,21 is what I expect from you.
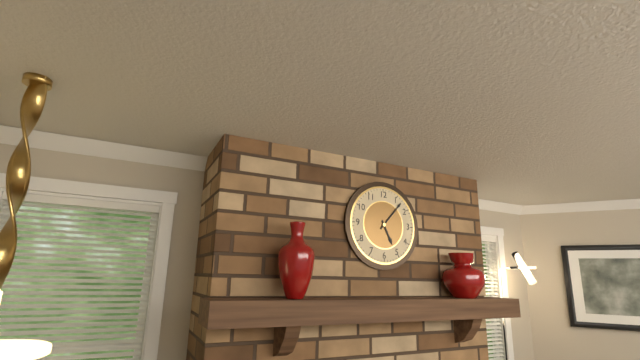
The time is 5,07
